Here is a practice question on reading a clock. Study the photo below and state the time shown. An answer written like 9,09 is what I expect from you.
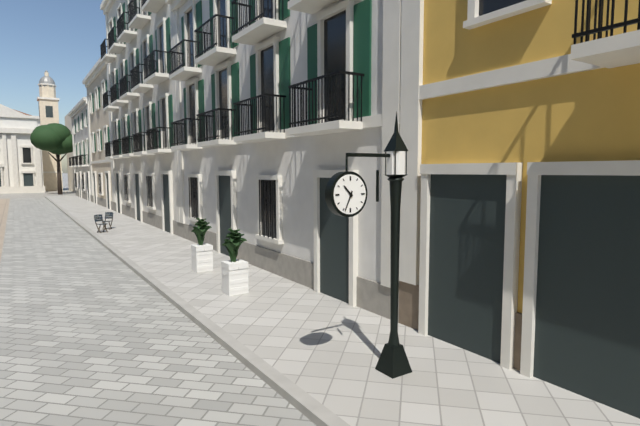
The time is 10,34
